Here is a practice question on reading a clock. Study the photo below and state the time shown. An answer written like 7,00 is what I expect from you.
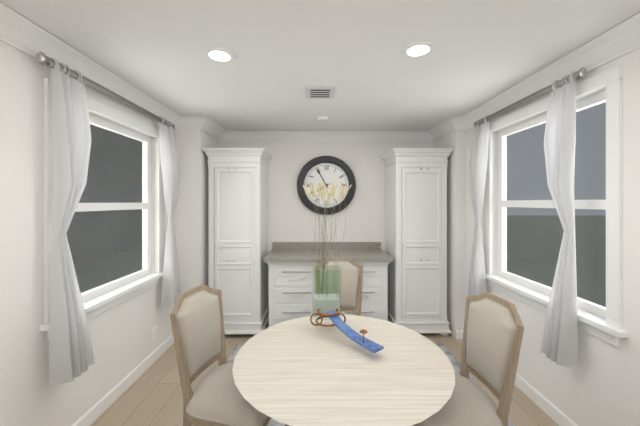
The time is 7,55
